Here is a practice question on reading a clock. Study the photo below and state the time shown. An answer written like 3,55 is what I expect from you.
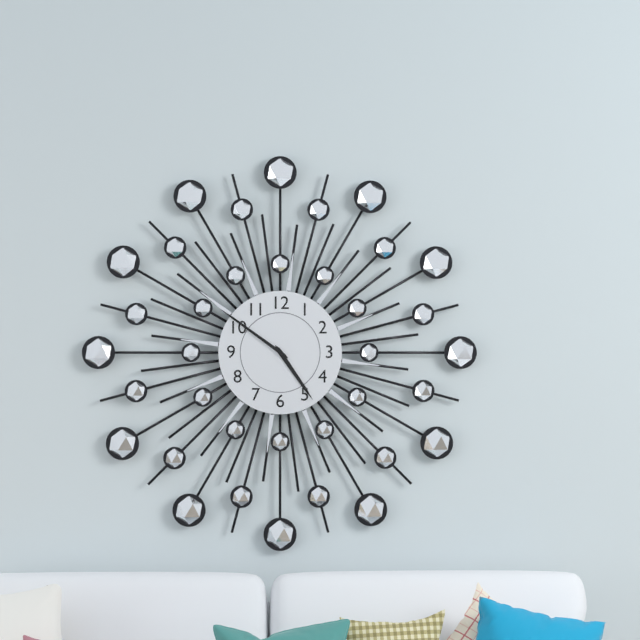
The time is 4,51
